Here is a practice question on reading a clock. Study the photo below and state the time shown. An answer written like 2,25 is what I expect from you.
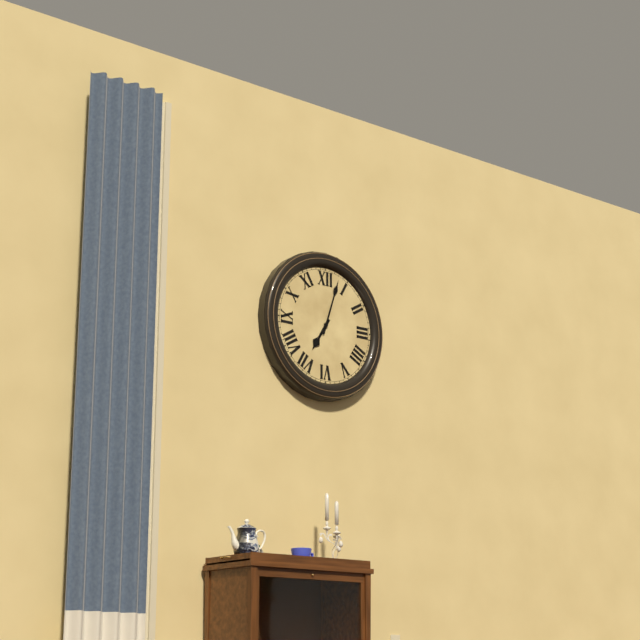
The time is 7,03
